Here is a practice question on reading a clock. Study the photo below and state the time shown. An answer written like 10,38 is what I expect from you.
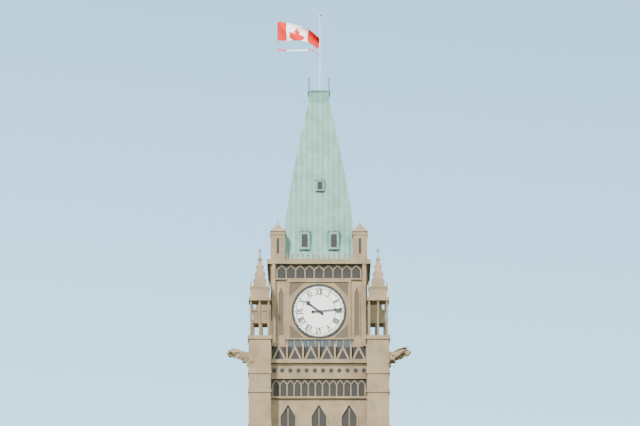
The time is 10,14
